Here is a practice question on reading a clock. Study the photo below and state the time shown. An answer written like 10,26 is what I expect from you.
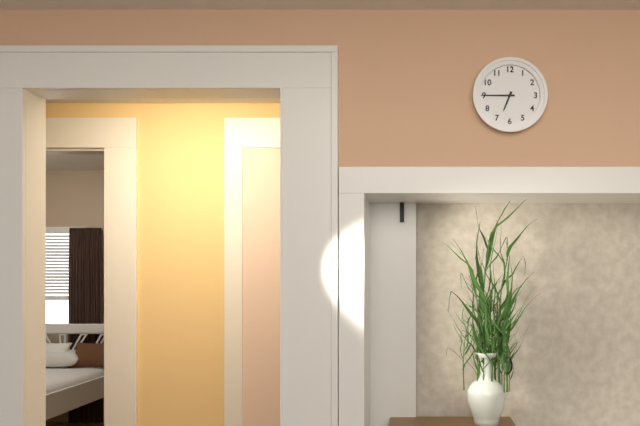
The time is 6,45
